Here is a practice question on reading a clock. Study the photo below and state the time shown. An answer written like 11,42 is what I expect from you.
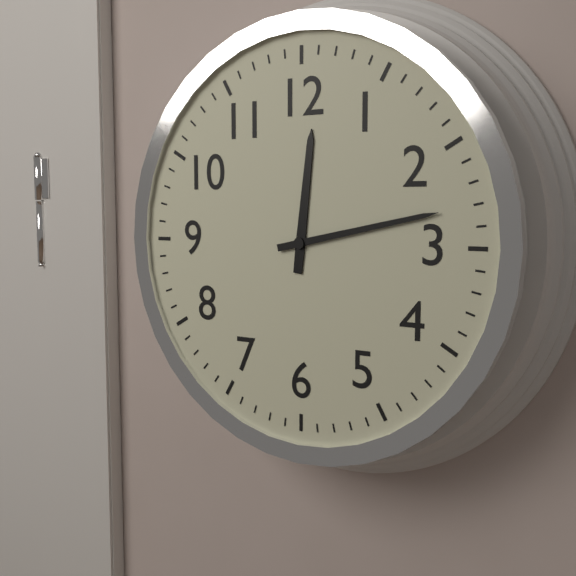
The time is 12,13
